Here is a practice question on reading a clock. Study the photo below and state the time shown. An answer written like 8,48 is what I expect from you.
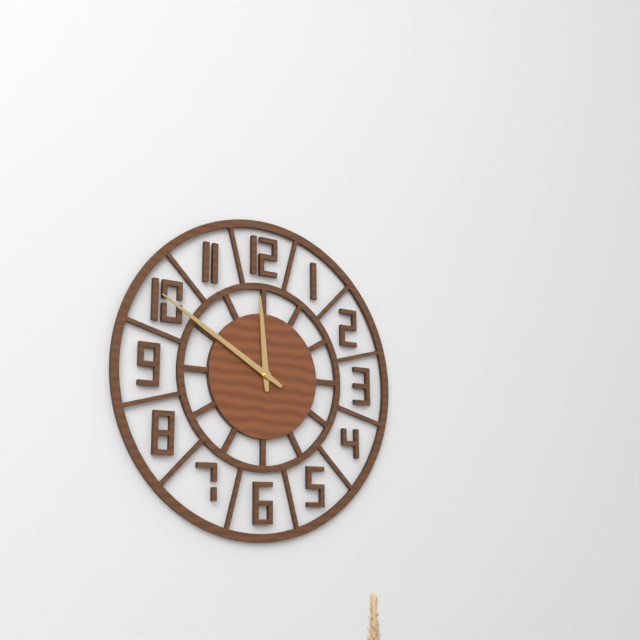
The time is 11,50
